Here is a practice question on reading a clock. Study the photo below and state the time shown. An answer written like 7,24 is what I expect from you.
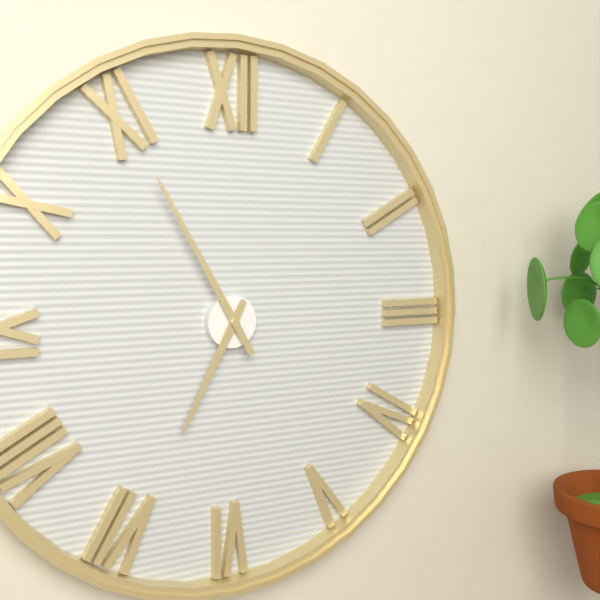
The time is 6,55
